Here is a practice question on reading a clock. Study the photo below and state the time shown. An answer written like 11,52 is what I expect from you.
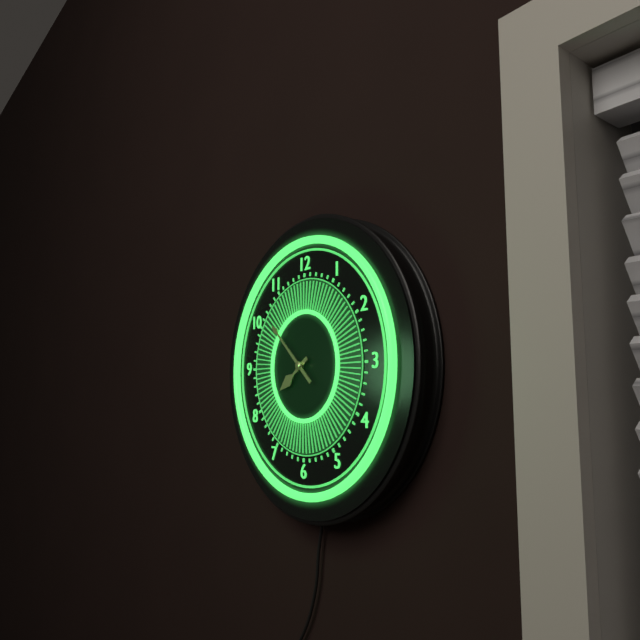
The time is 7,52
